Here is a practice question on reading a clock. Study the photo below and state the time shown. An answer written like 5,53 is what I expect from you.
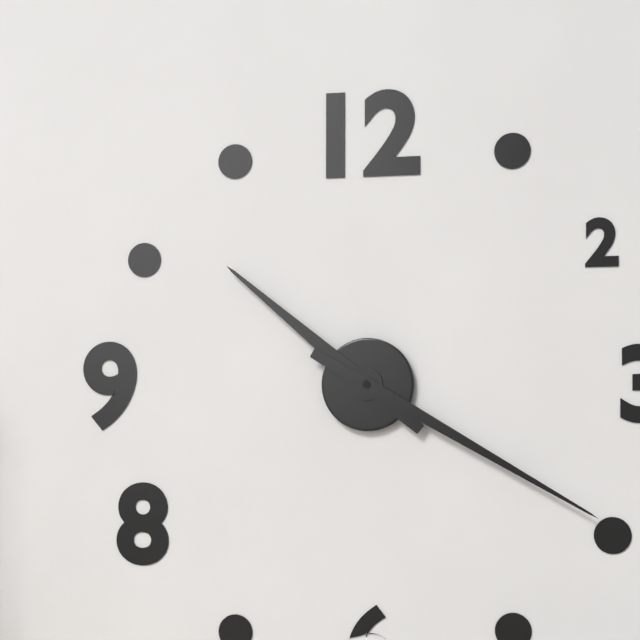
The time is 10,20
